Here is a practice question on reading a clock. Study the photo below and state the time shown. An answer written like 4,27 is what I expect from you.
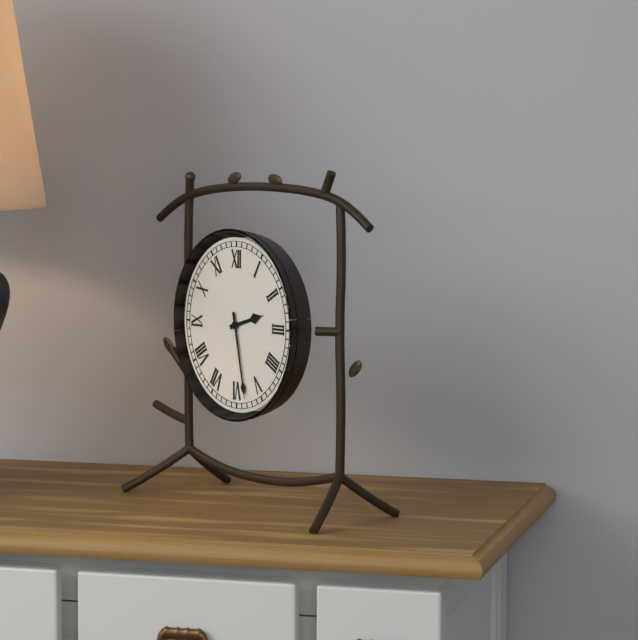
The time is 2,28
